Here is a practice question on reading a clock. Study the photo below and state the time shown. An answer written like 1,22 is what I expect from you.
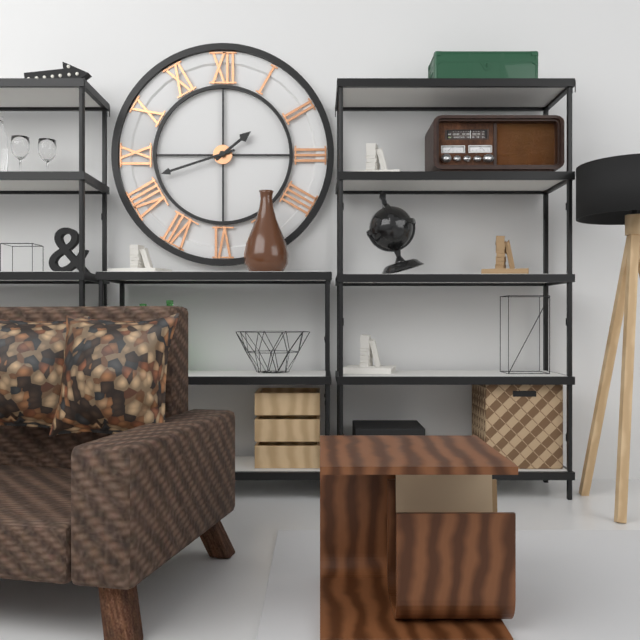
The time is 1,42
